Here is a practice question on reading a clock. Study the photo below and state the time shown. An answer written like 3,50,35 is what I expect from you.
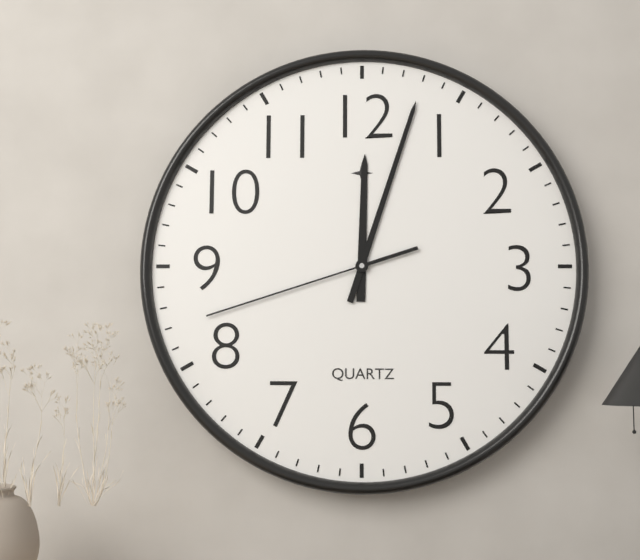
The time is 12,03,42
